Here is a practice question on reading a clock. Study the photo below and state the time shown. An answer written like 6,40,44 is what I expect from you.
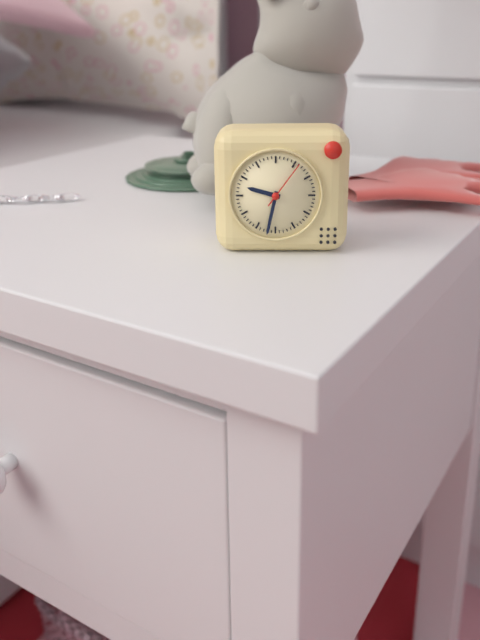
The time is 9,32,06
